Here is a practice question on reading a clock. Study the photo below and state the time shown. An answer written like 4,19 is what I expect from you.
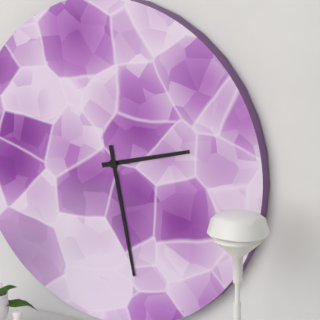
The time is 2,28
